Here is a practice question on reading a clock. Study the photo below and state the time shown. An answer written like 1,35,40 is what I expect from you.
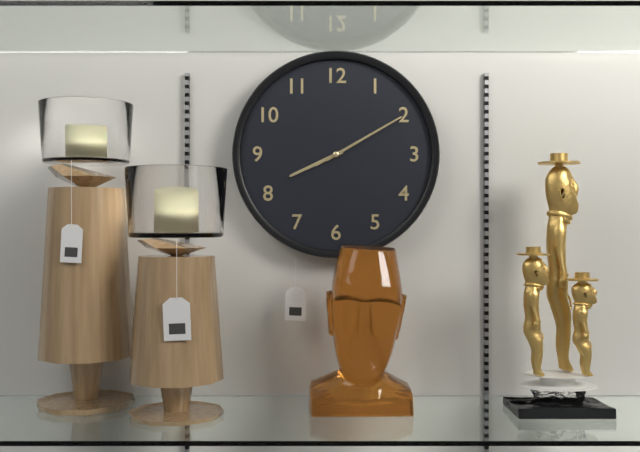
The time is 8,10,10
